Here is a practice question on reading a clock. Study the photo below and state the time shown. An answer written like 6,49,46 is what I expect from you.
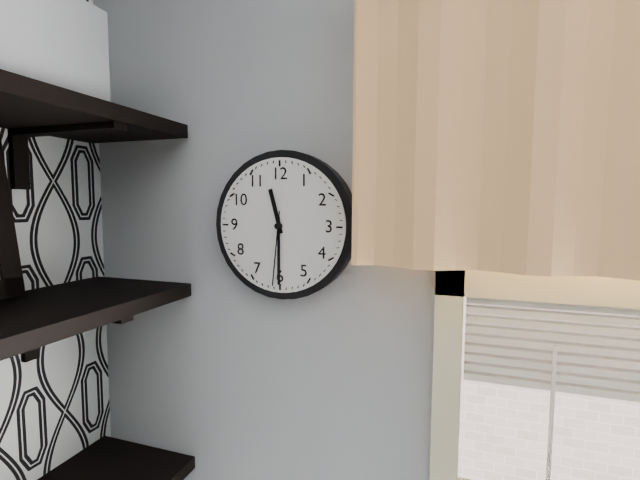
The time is 11,30,31
